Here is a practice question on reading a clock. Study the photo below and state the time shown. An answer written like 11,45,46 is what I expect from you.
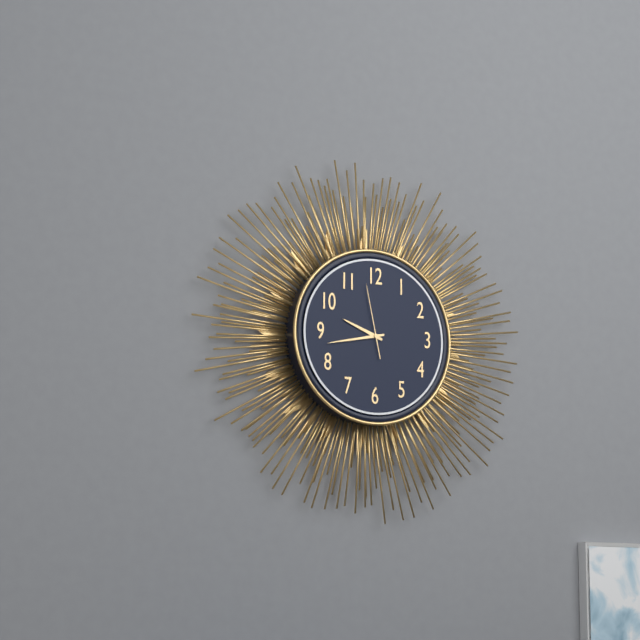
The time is 9,43,58
